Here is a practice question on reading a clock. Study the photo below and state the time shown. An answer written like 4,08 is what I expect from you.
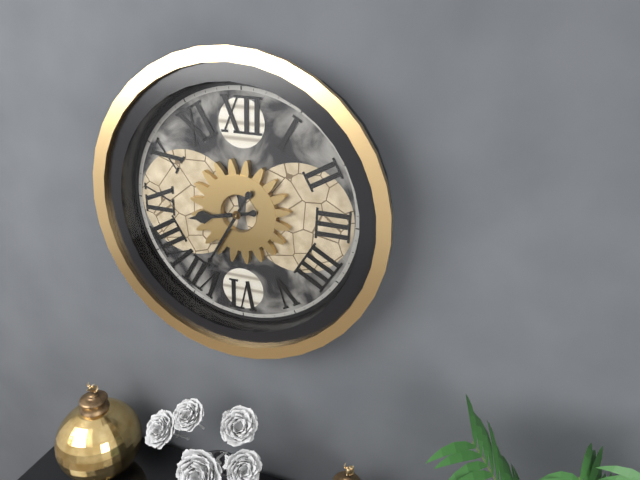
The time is 8,35
